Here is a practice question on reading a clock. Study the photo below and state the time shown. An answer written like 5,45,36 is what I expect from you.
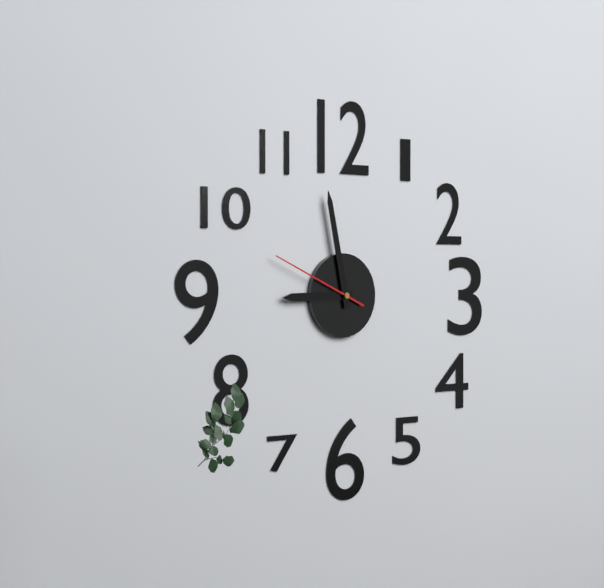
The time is 8,58,49
